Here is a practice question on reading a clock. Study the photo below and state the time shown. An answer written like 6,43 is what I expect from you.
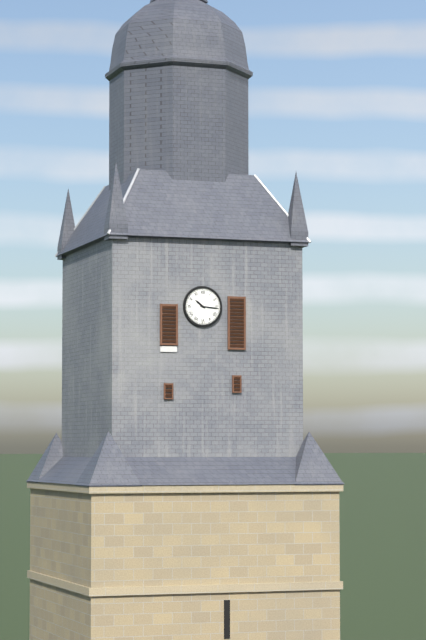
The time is 10,16
